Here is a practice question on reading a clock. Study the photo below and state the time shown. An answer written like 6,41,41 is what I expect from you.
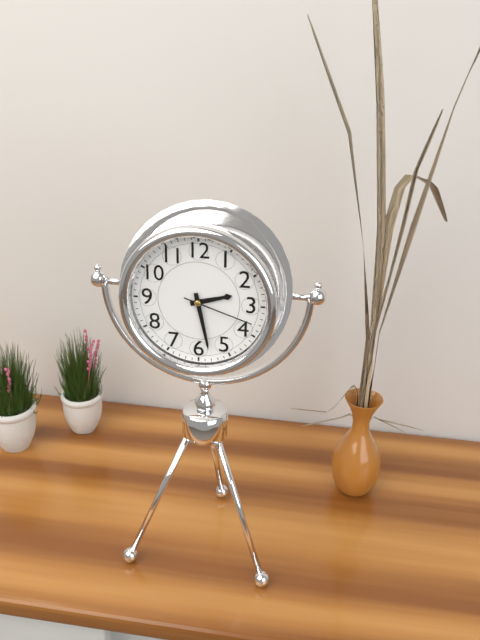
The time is 2,28,18
